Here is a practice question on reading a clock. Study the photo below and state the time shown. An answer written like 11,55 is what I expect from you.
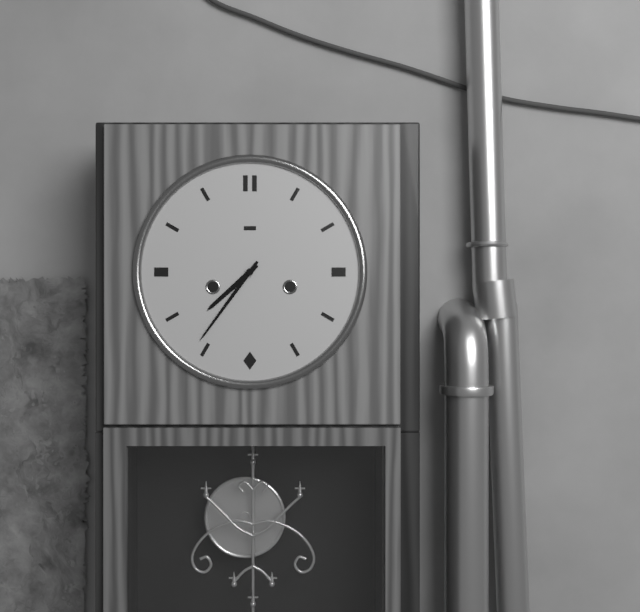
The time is 7,36
